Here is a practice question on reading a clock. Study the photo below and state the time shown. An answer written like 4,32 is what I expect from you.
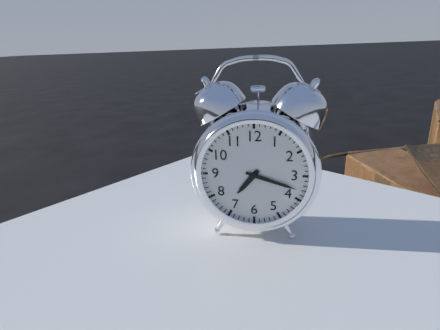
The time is 7,18
